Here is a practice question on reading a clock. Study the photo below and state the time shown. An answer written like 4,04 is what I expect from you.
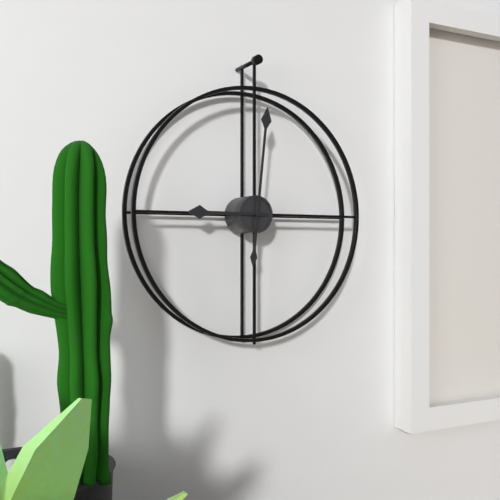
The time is 9,01
